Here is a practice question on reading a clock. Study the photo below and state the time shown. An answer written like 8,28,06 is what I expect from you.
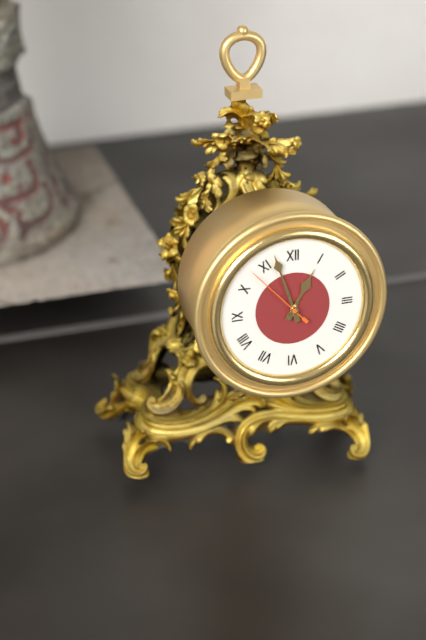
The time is 12,57,53
